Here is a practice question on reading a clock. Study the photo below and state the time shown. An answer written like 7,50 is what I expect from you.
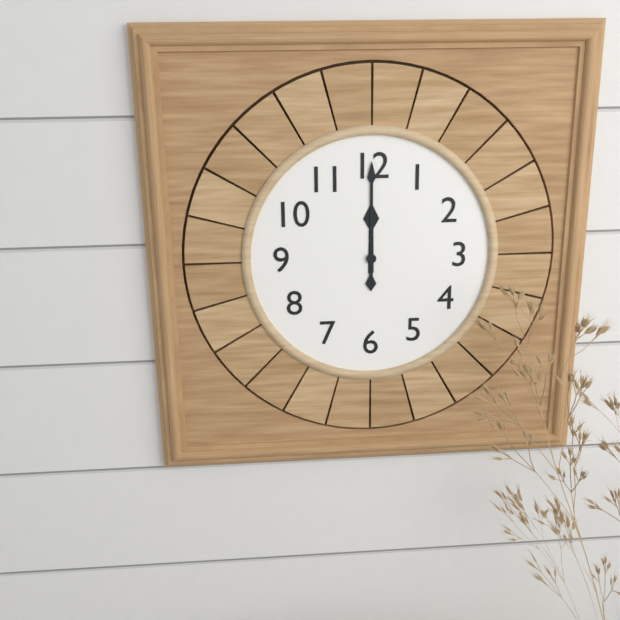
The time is 12,00
